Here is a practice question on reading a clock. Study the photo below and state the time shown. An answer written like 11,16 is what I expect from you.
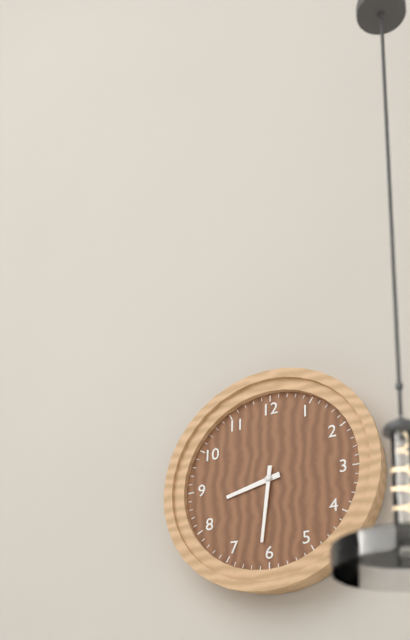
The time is 8,31
